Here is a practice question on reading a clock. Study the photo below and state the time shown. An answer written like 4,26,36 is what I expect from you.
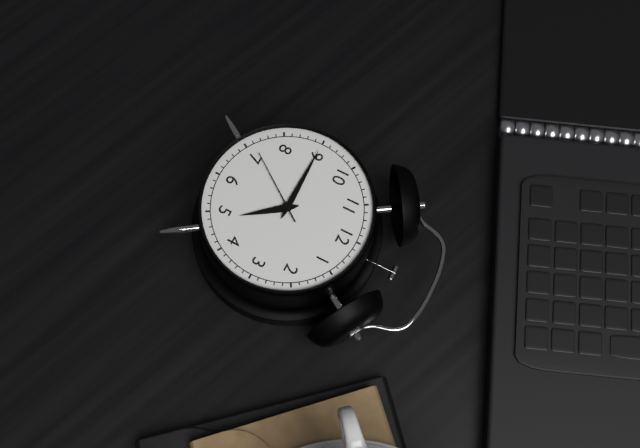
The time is 4,45,36
